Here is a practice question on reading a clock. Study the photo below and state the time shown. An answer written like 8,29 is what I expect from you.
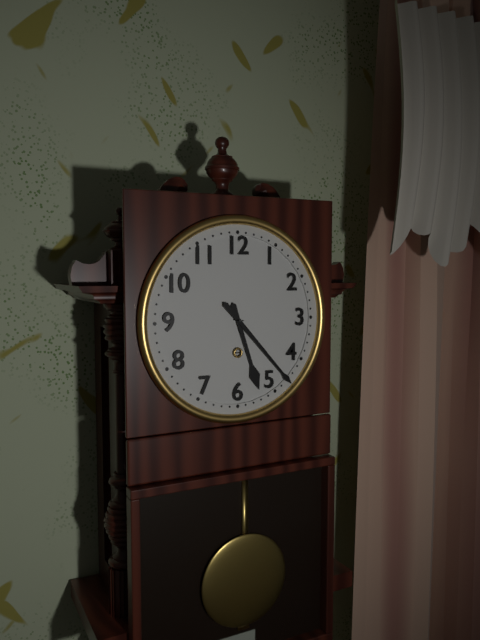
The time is 5,23
